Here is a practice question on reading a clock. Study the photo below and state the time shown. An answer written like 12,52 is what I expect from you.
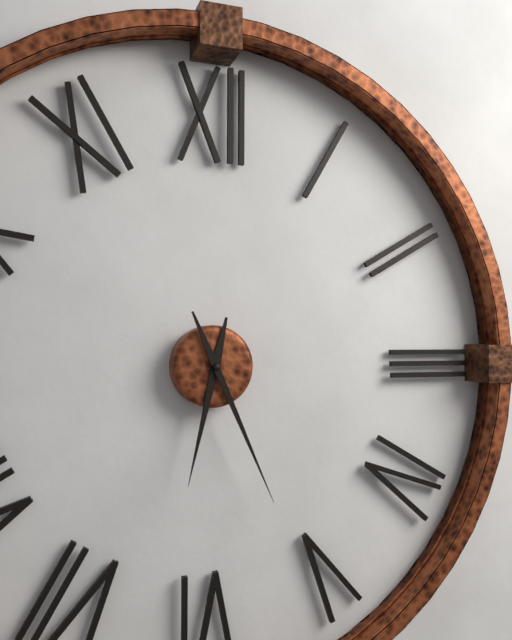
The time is 6,26
